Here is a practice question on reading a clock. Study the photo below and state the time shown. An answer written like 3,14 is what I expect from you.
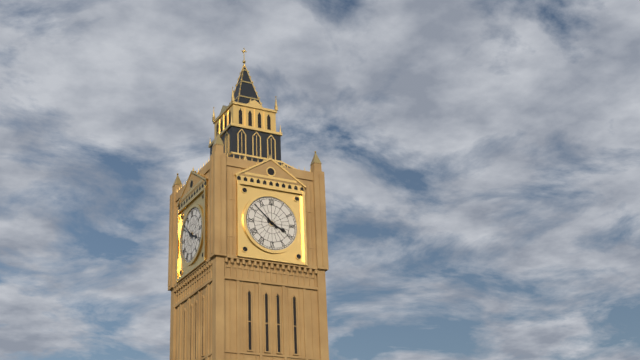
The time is 3,52
